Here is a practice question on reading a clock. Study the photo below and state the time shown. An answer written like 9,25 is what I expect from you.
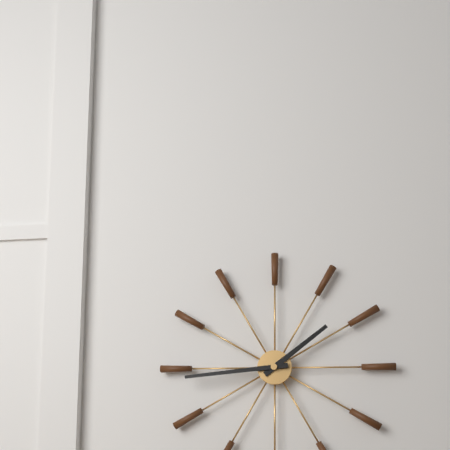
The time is 1,44
